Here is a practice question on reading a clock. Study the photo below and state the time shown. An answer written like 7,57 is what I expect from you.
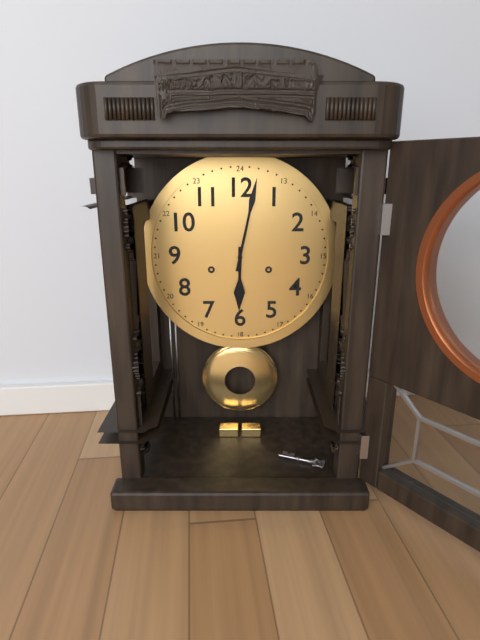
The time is 6,02
